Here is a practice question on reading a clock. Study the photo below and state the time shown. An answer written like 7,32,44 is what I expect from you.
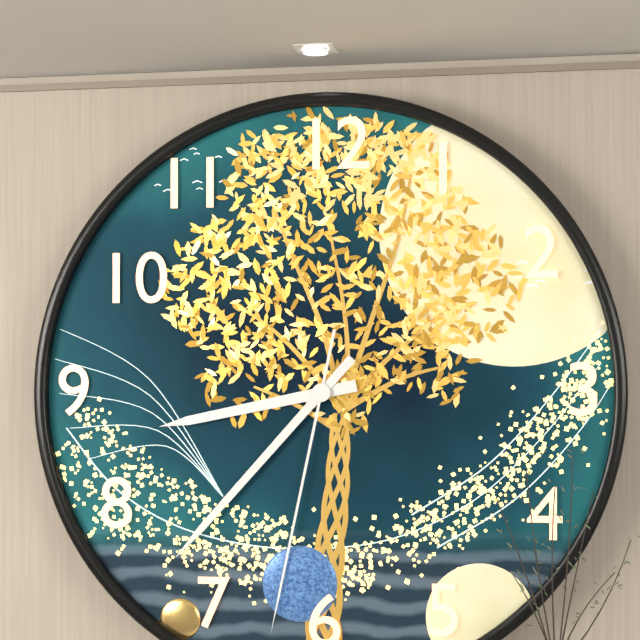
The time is 8,37,32
